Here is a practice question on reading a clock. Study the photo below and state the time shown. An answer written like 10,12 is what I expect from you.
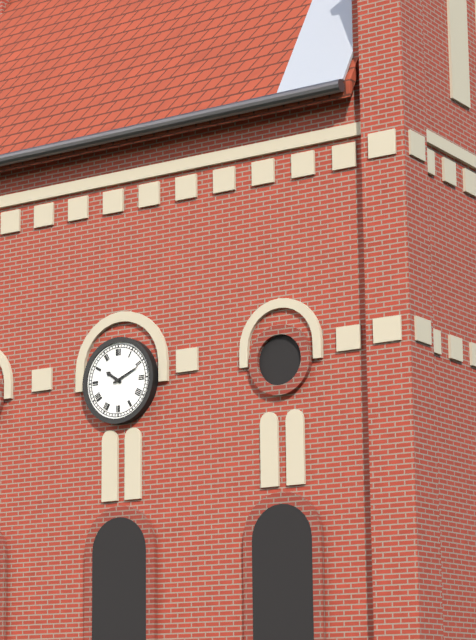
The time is 10,11
